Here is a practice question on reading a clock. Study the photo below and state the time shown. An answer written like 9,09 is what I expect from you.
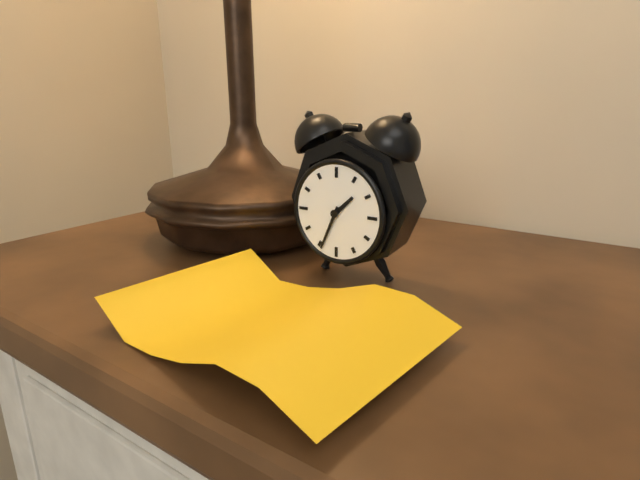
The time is 1,34
